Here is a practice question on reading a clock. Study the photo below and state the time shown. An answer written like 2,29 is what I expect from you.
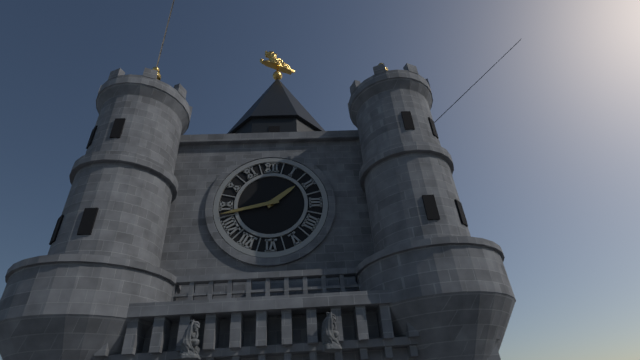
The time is 1,43
